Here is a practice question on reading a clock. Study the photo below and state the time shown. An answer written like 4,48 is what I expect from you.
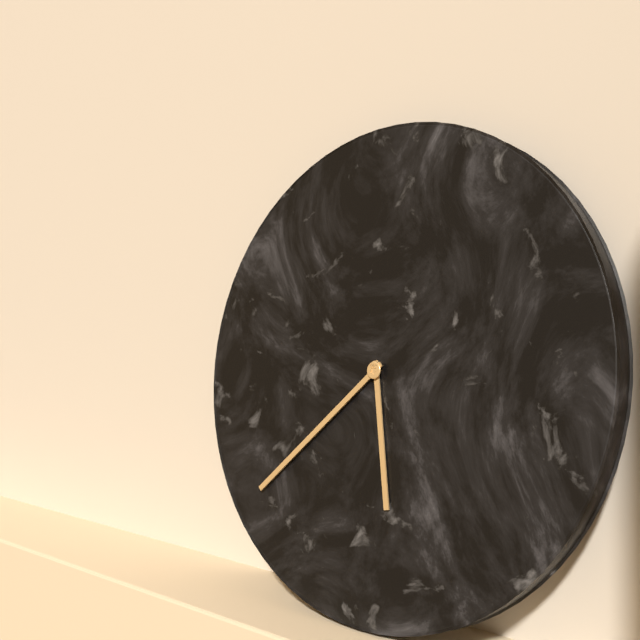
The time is 5,38
